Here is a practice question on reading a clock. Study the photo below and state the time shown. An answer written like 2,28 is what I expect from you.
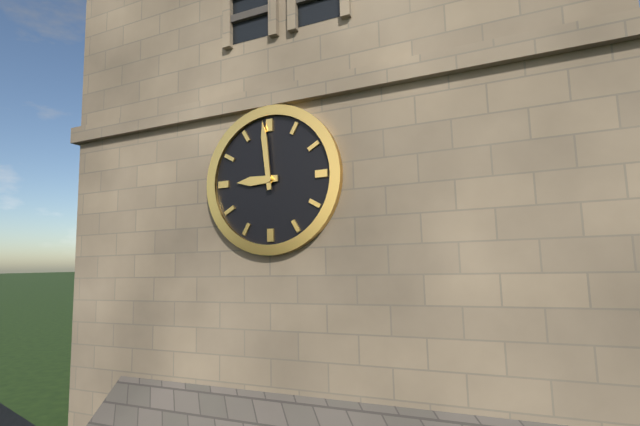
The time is 8,59
